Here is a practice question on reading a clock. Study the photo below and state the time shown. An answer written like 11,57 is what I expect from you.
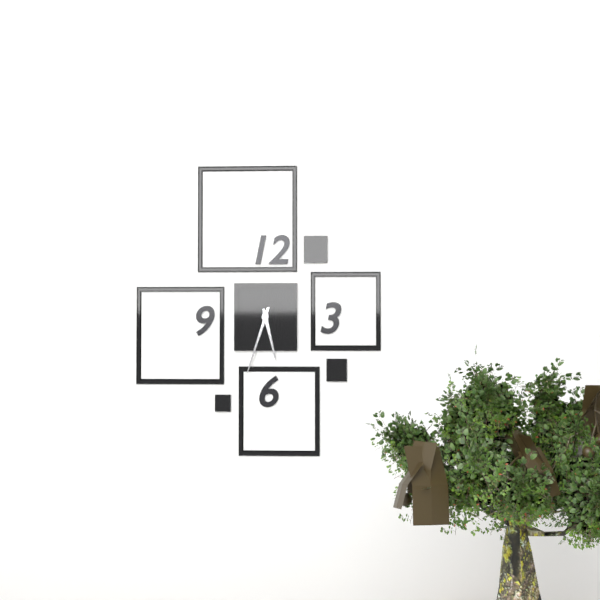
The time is 5,33
